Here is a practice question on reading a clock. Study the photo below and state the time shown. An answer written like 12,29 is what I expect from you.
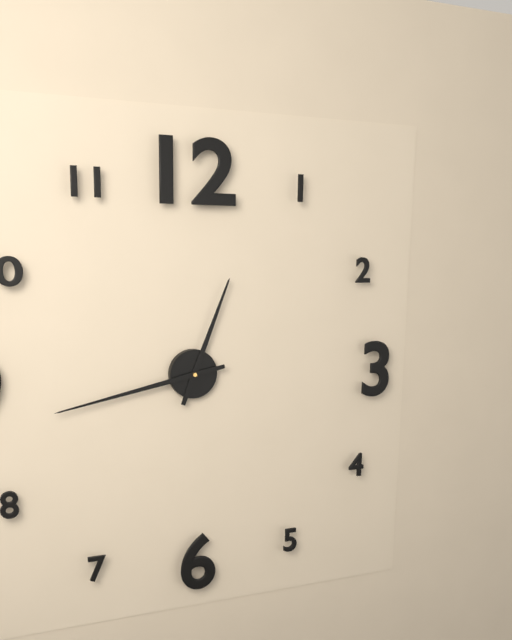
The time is 12,43
